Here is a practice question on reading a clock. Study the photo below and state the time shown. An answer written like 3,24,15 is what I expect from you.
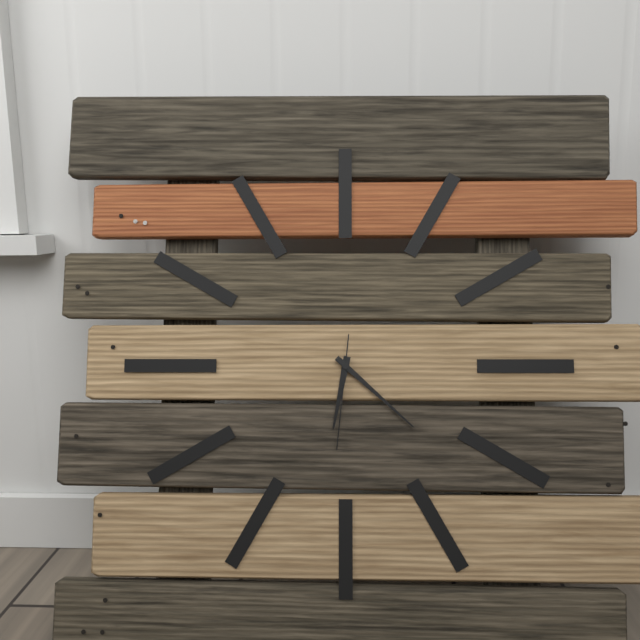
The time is 6,22,31
